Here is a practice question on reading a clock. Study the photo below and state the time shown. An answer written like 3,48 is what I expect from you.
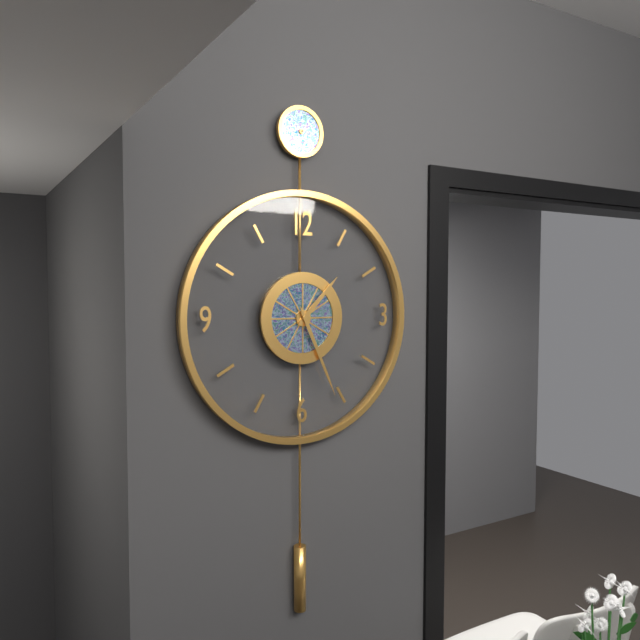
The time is 1,26
